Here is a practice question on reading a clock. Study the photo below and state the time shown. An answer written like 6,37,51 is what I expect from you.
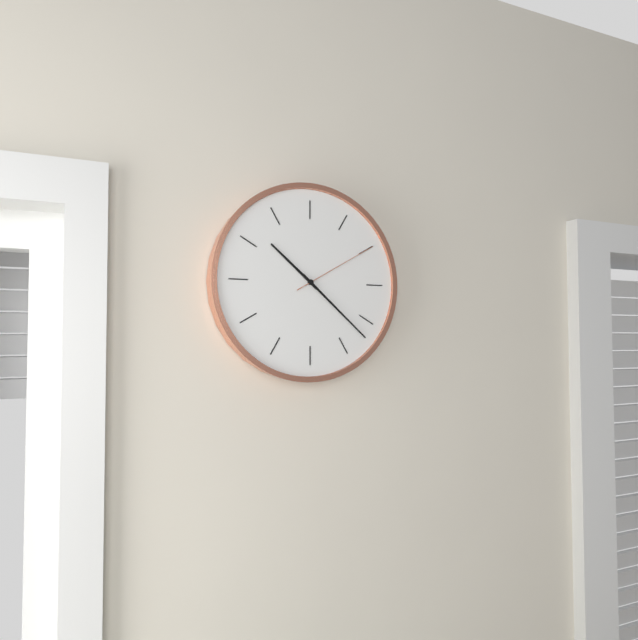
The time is 10,22,10
